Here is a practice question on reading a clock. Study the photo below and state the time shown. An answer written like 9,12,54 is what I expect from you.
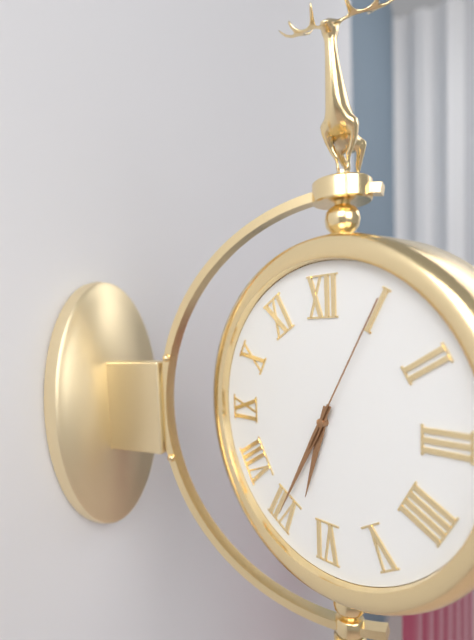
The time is 6,35,05
